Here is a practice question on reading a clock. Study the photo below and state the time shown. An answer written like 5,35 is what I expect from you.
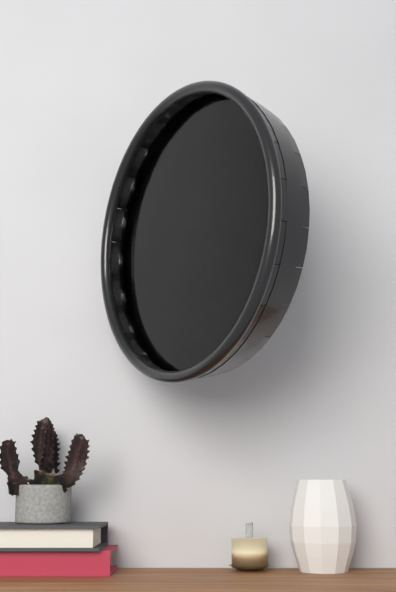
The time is 5,34
